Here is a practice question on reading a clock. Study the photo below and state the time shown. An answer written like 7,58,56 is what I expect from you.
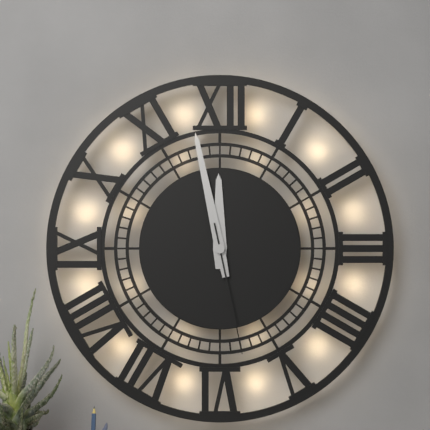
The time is 11,58,28
